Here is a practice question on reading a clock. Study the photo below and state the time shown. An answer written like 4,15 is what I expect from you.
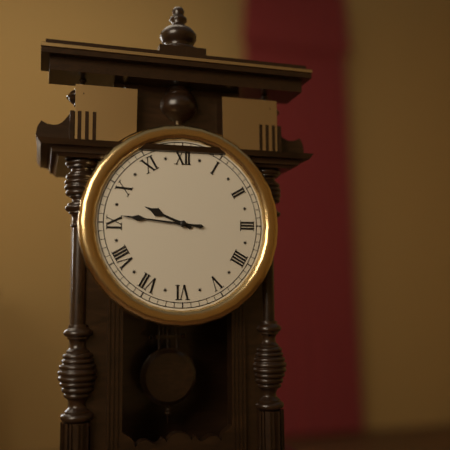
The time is 9,46
